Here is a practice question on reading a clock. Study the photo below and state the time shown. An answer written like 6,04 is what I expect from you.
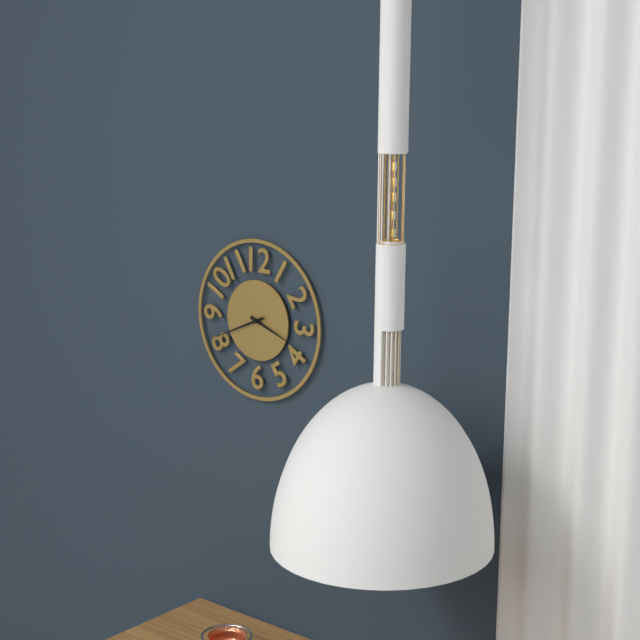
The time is 3,41
